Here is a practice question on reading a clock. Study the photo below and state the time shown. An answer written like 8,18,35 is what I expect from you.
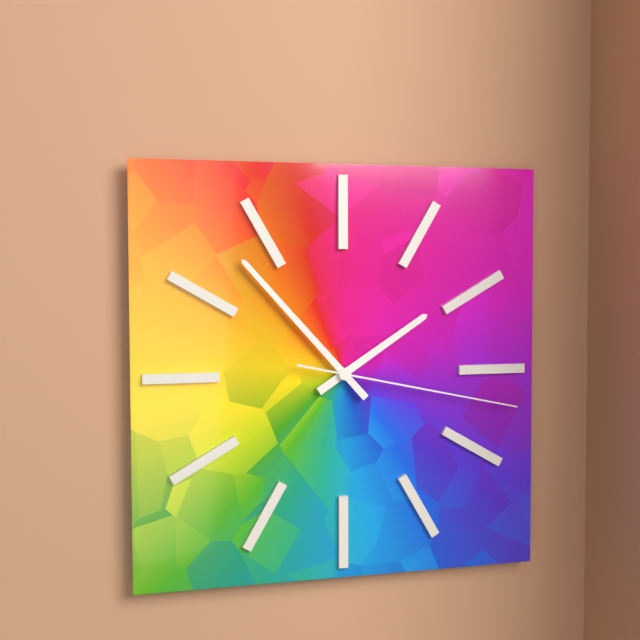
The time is 1,53,17
